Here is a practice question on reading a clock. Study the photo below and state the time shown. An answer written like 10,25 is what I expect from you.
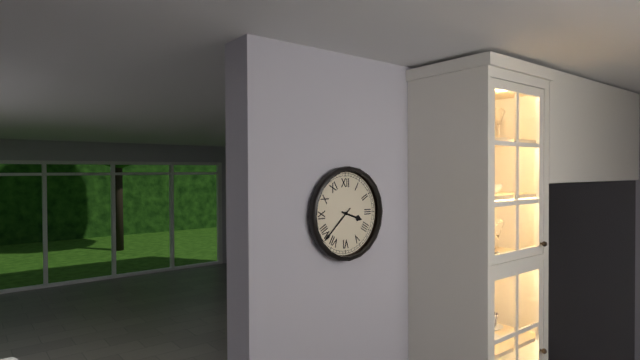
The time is 3,38
